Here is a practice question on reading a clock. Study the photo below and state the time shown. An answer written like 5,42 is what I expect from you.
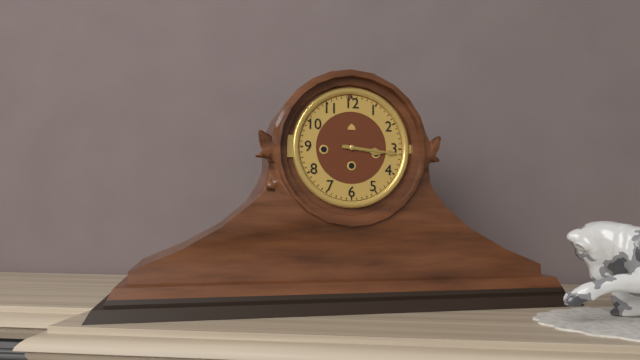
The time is 3,16
